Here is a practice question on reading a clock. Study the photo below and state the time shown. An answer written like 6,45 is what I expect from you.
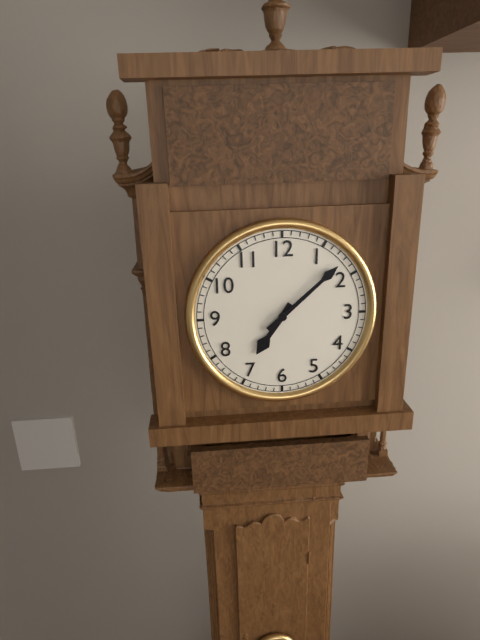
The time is 7,08
